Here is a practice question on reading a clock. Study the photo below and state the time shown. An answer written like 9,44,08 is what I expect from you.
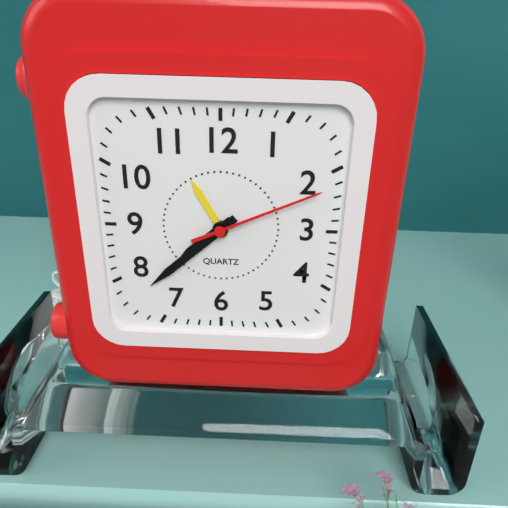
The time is 7,38,11
